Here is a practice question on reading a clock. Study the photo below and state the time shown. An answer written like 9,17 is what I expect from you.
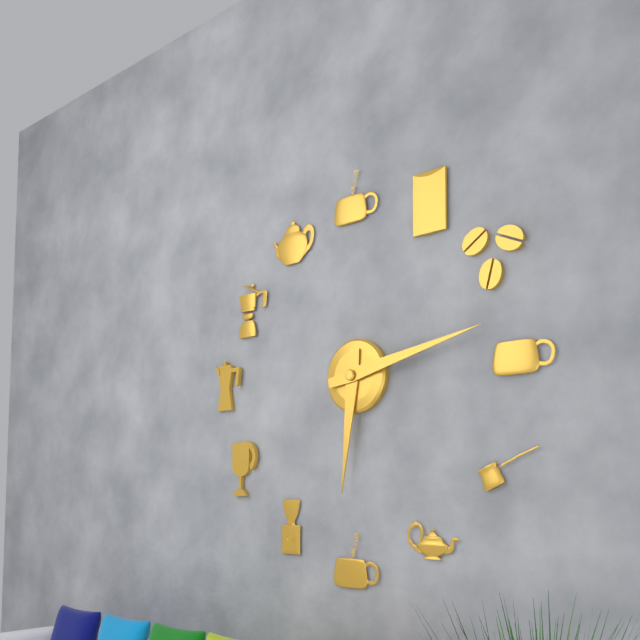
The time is 6,13
